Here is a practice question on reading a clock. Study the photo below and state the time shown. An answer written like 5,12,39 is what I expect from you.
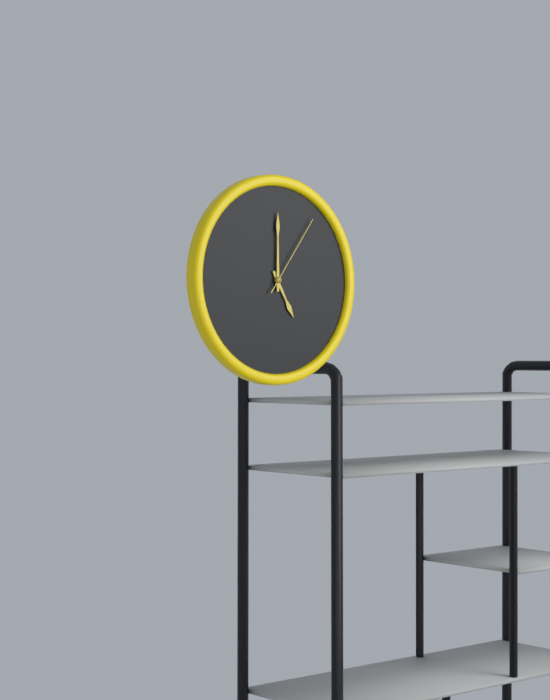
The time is 5,00,06
